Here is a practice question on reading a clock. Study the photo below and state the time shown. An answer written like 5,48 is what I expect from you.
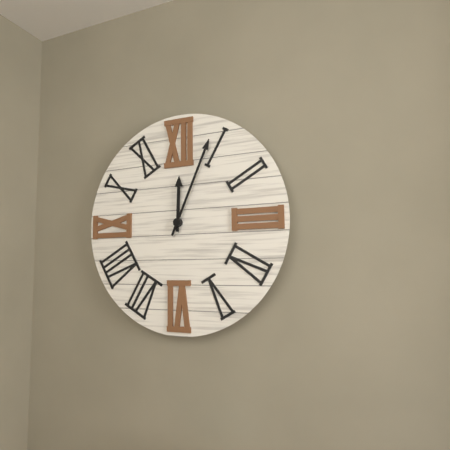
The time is 12,04
